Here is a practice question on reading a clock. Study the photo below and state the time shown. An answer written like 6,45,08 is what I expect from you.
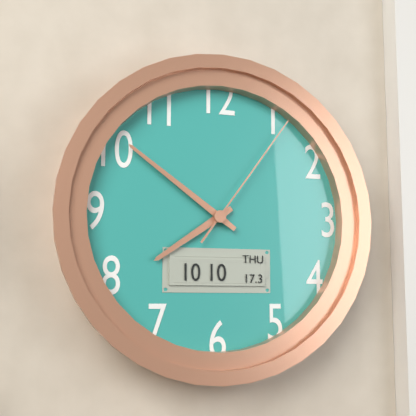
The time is 7,51,06
